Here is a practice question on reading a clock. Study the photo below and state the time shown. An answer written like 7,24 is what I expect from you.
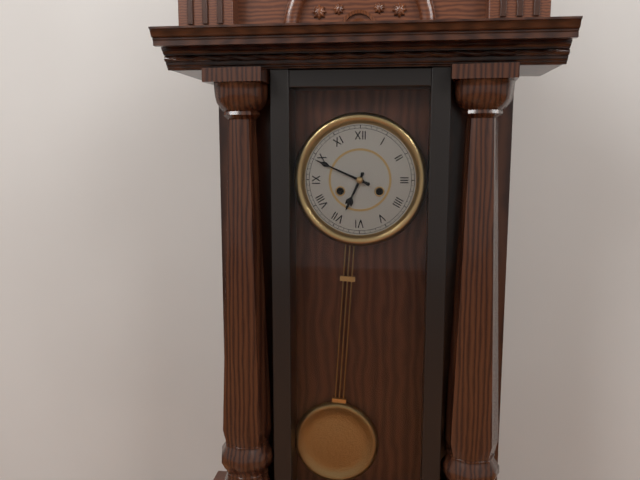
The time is 6,49
